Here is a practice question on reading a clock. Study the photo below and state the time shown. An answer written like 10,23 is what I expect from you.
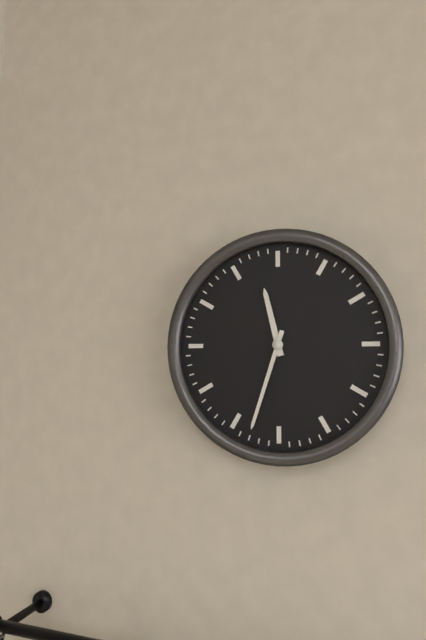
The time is 11,33
